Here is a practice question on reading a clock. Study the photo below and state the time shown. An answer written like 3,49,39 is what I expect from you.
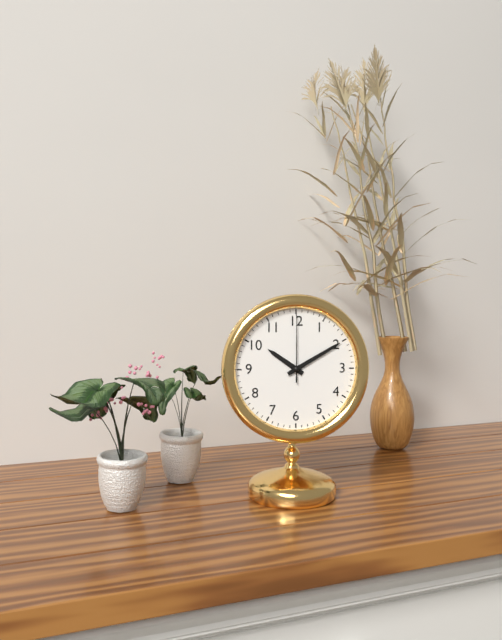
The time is 10,10,00
